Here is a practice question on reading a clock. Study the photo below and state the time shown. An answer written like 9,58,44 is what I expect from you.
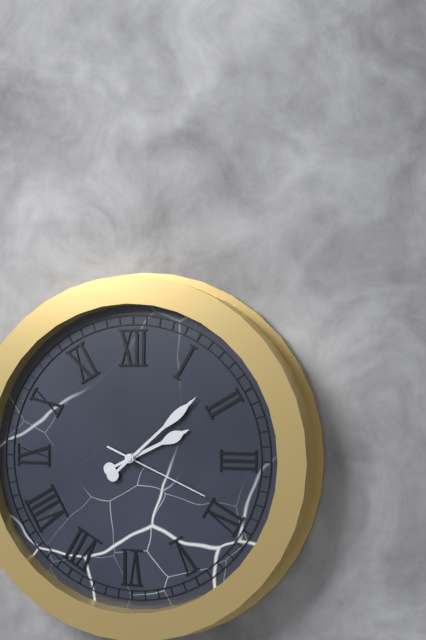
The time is 2,08,19
